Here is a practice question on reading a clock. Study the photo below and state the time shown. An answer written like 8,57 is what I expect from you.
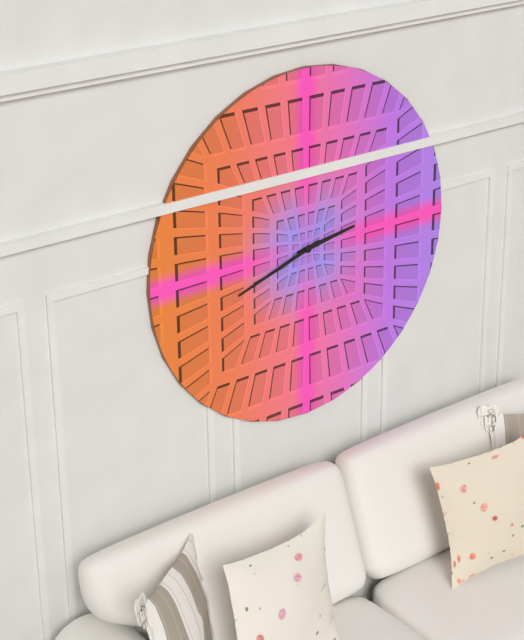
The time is 2,42
